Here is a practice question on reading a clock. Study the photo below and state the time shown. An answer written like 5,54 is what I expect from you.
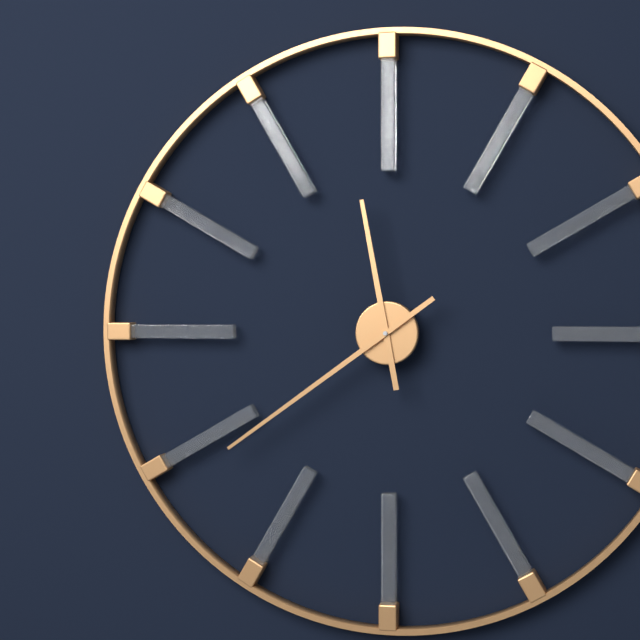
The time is 11,39
